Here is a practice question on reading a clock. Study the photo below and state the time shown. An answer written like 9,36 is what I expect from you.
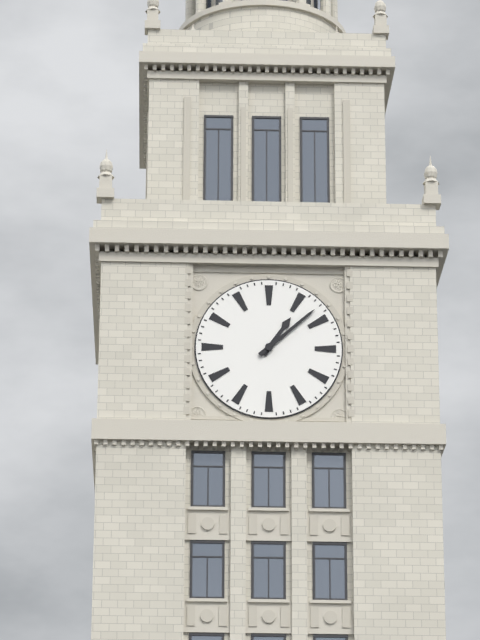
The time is 1,08
